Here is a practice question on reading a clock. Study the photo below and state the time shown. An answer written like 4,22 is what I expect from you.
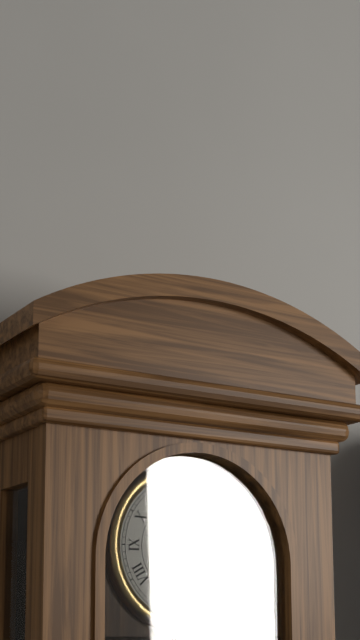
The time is 9,26
